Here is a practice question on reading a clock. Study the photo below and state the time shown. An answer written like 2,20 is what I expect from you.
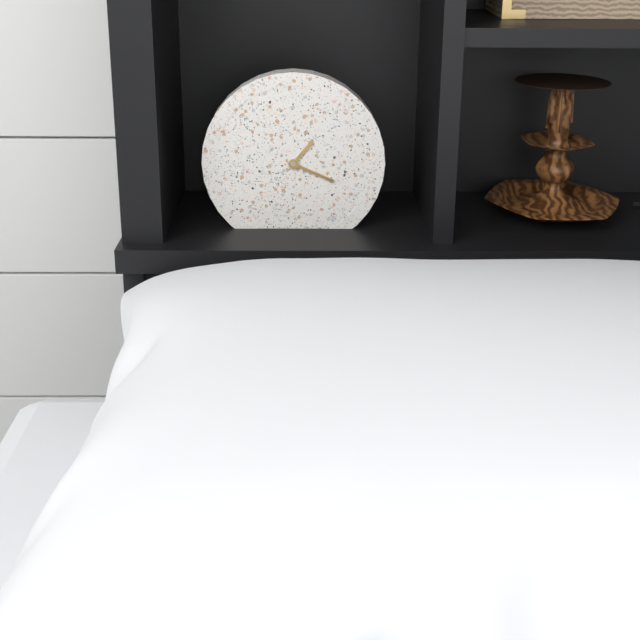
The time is 1,19
